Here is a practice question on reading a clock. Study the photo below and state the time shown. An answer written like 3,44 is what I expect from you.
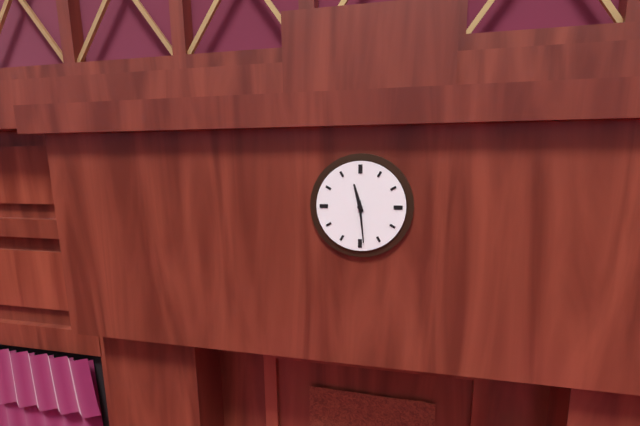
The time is 11,29
